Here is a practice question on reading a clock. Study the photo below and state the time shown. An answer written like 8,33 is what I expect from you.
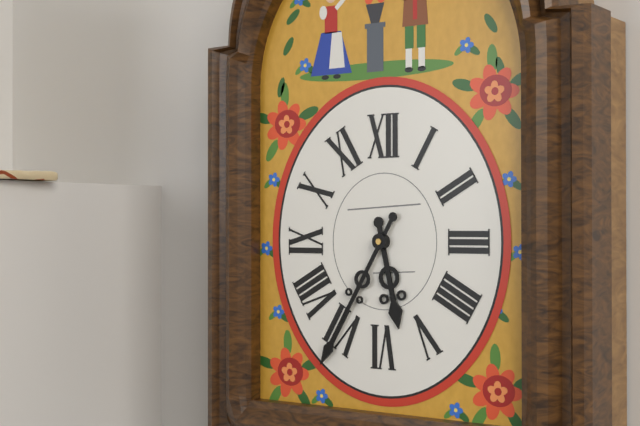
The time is 5,35
